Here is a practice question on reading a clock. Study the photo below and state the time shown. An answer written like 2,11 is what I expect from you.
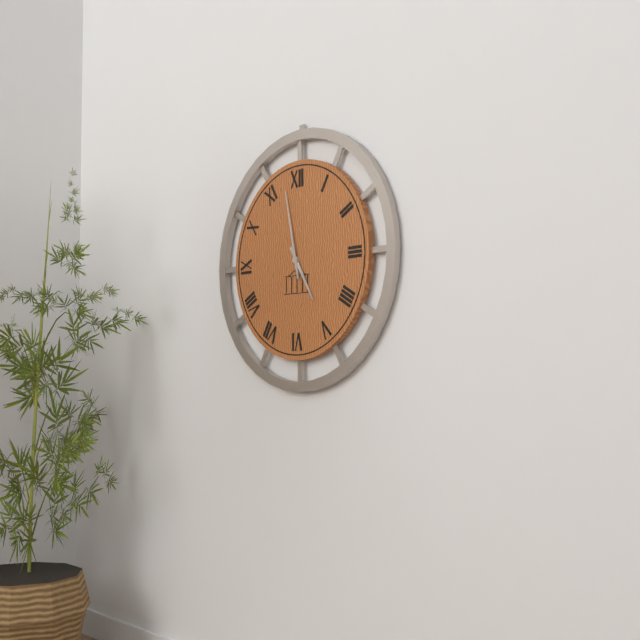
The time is 4,58
